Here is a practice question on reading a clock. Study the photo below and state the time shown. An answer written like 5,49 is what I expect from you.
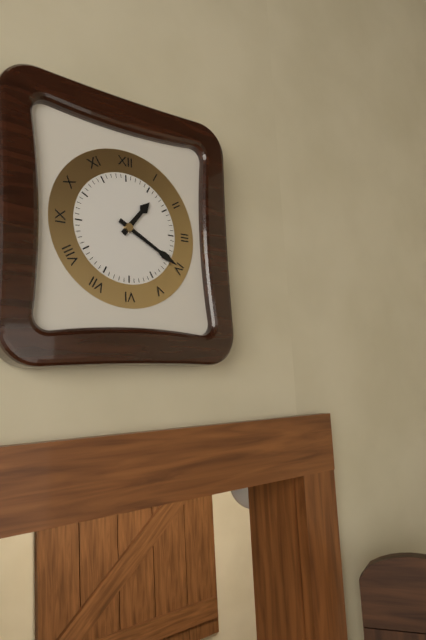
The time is 1,20
